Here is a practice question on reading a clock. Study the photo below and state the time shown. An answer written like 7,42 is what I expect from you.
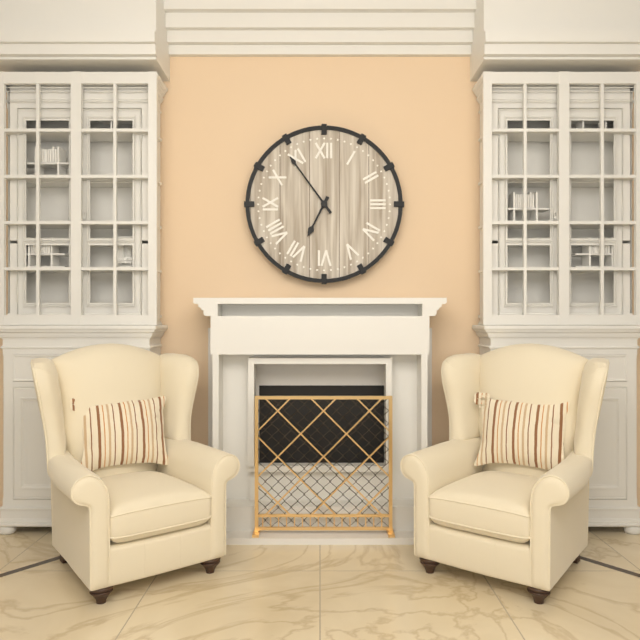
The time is 6,54
